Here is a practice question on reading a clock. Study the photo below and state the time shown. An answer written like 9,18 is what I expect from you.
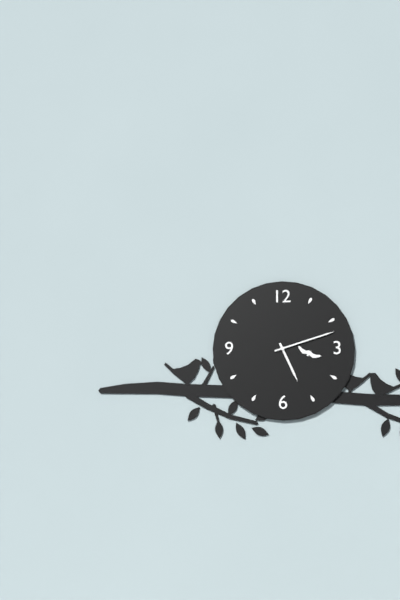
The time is 5,12
